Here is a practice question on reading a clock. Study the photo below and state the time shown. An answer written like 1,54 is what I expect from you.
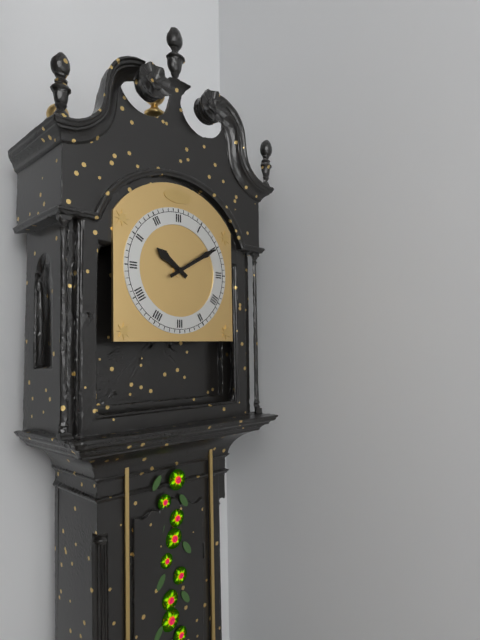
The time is 10,10
